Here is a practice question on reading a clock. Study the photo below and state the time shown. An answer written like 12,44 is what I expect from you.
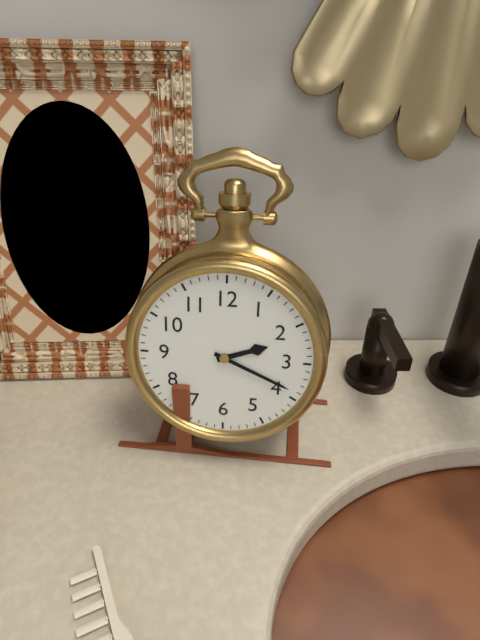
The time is 2,19
